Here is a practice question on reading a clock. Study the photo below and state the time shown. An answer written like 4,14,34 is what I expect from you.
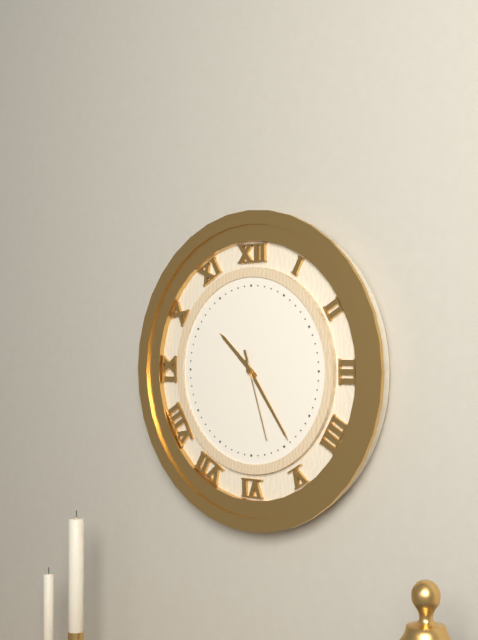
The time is 10,24,27
